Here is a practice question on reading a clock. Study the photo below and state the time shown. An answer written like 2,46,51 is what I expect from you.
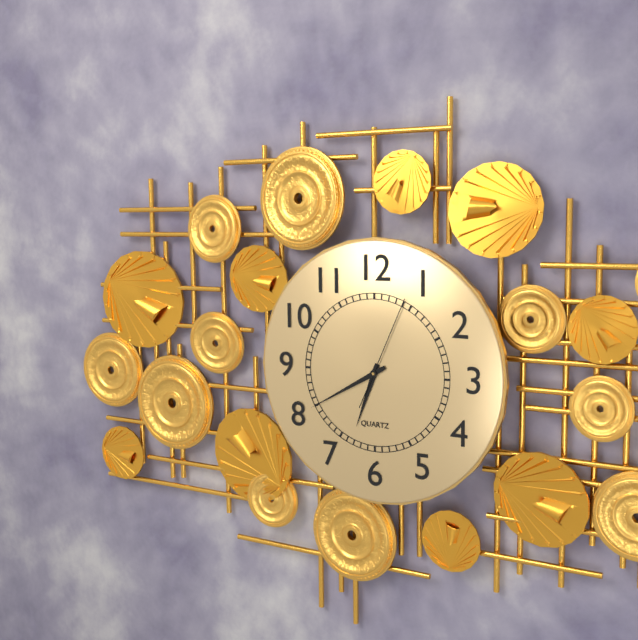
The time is 6,40,04
